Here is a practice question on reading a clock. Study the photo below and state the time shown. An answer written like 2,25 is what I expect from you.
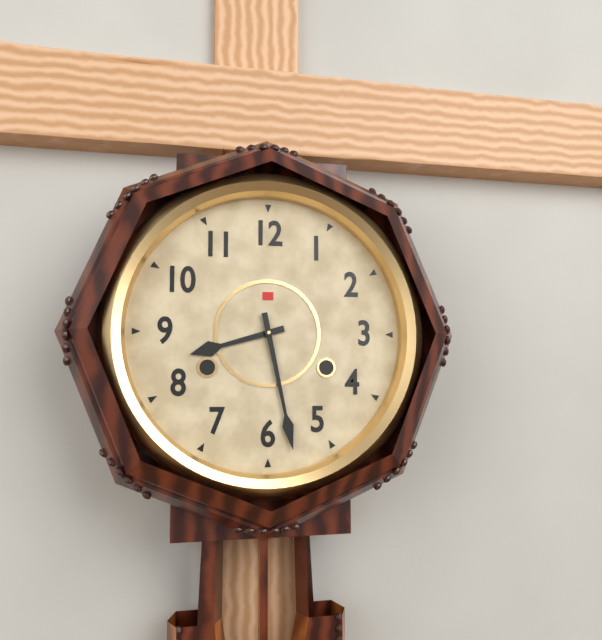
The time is 8,28
